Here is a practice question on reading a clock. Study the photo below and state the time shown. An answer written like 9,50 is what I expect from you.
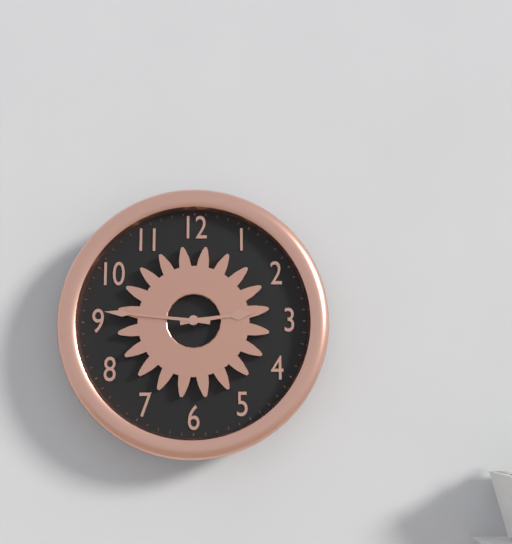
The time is 2,46
